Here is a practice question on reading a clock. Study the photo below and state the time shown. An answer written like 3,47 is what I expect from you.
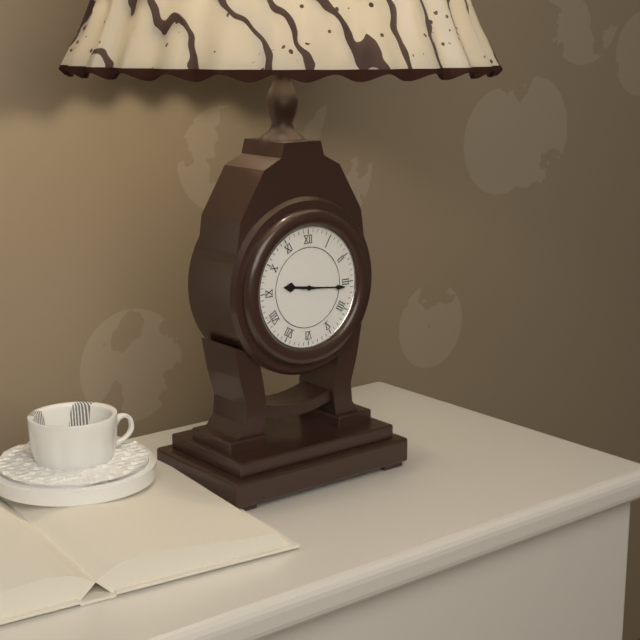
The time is 9,16
